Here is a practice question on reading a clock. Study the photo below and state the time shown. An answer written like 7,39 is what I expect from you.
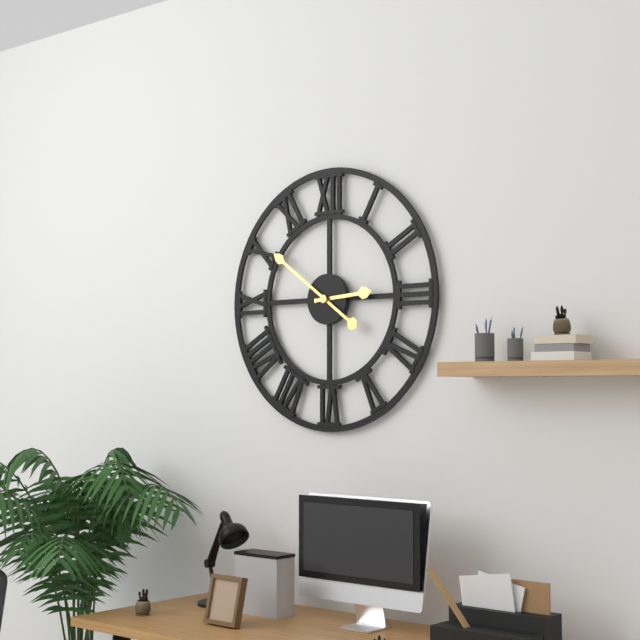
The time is 2,51
